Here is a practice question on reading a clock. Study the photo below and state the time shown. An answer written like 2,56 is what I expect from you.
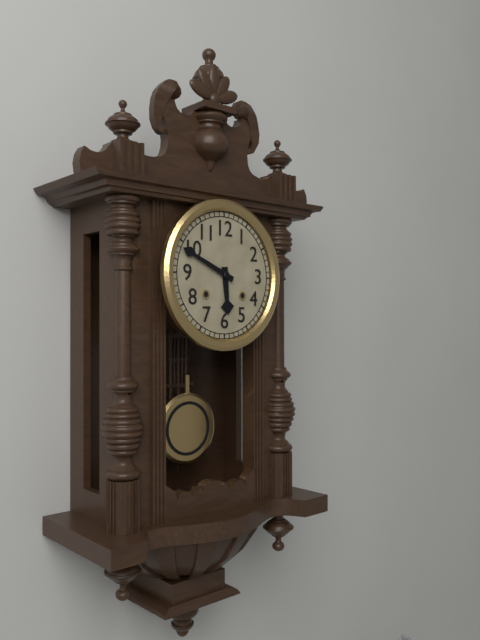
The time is 5,49
